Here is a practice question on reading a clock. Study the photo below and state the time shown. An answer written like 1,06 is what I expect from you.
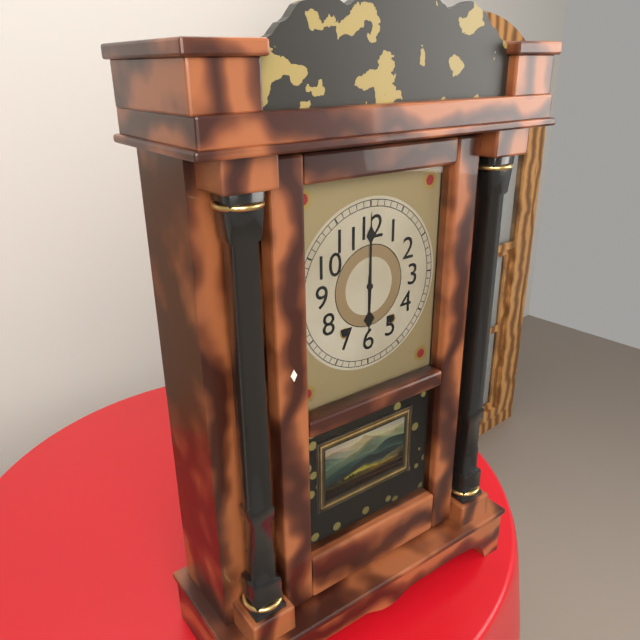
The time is 6,00
